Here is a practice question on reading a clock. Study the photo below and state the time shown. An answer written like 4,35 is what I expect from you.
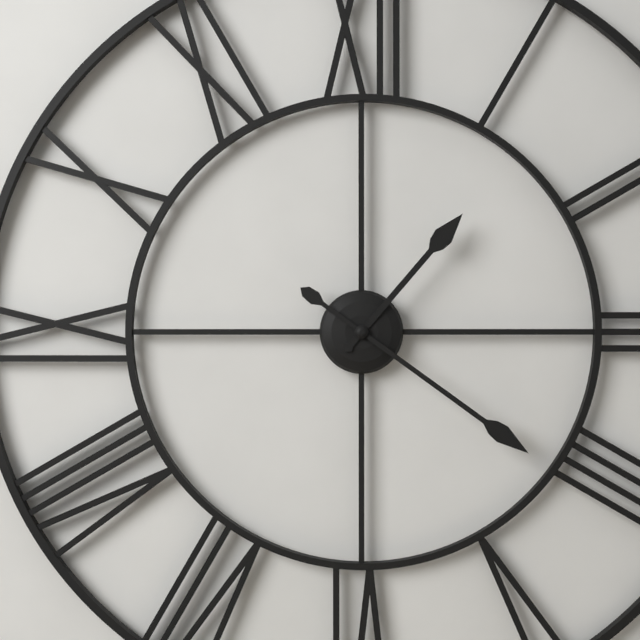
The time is 1,21
